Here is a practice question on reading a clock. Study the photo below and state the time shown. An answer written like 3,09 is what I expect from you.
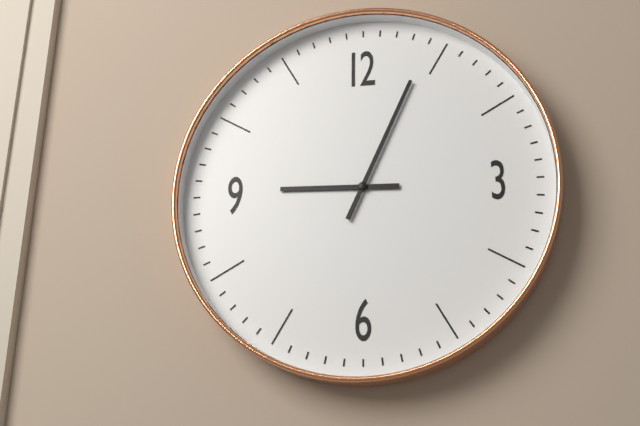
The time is 9,04
